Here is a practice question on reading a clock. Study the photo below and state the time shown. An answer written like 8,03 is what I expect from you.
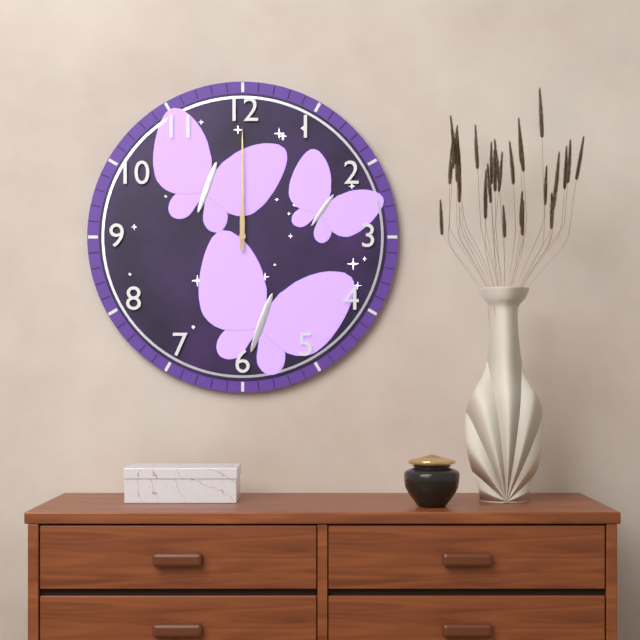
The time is 12,00
